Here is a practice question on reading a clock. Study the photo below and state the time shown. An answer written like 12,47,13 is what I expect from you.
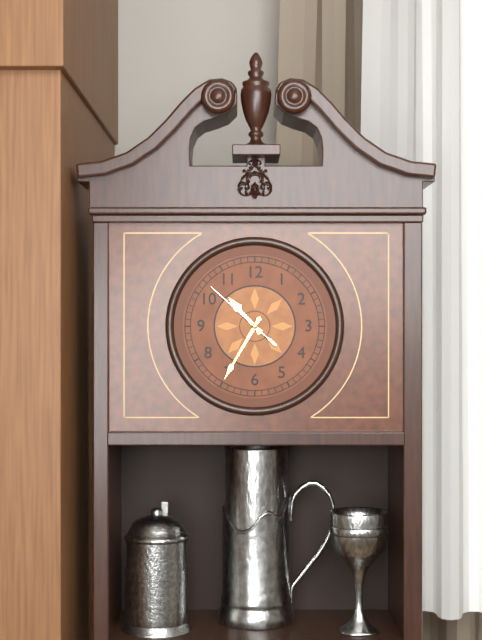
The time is 10,35,52
